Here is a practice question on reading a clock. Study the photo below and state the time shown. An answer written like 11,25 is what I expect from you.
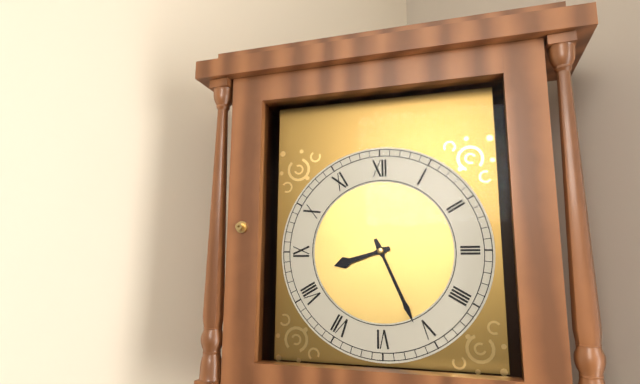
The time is 8,26
